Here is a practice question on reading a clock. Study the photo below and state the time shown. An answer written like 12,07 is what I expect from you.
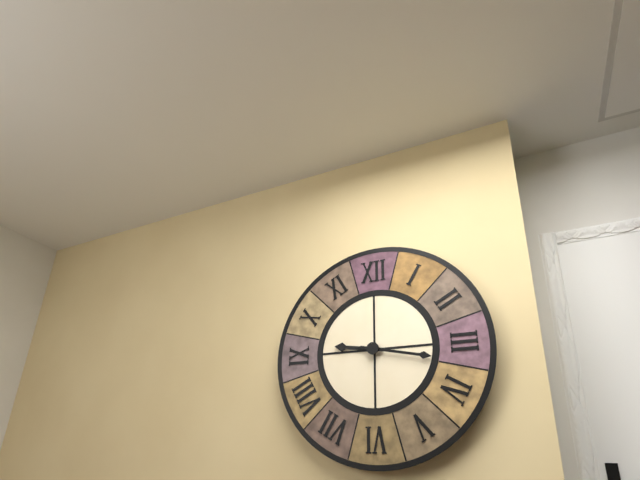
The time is 9,17
